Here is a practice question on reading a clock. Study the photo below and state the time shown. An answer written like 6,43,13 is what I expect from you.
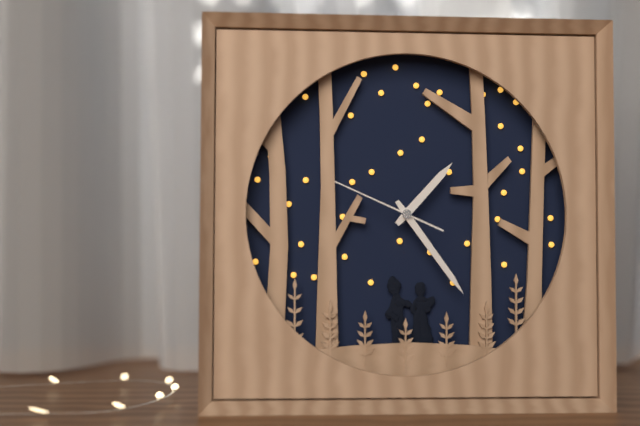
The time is 1,24,49
